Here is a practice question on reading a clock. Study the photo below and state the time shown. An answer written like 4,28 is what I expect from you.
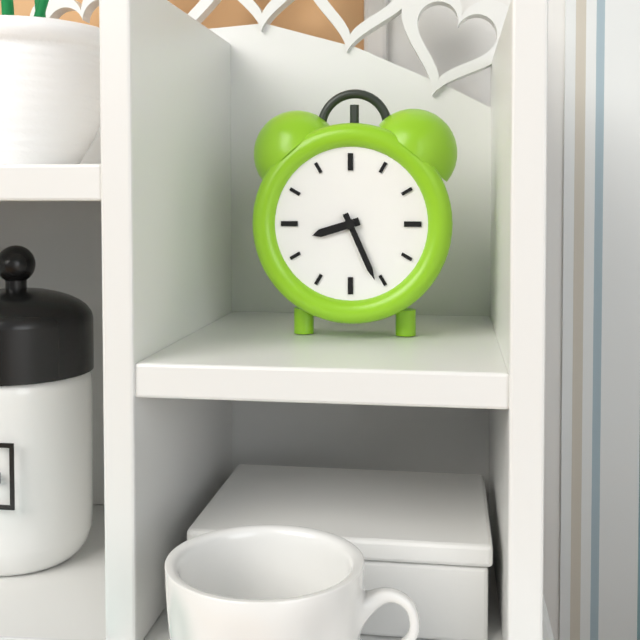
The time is 8,26
